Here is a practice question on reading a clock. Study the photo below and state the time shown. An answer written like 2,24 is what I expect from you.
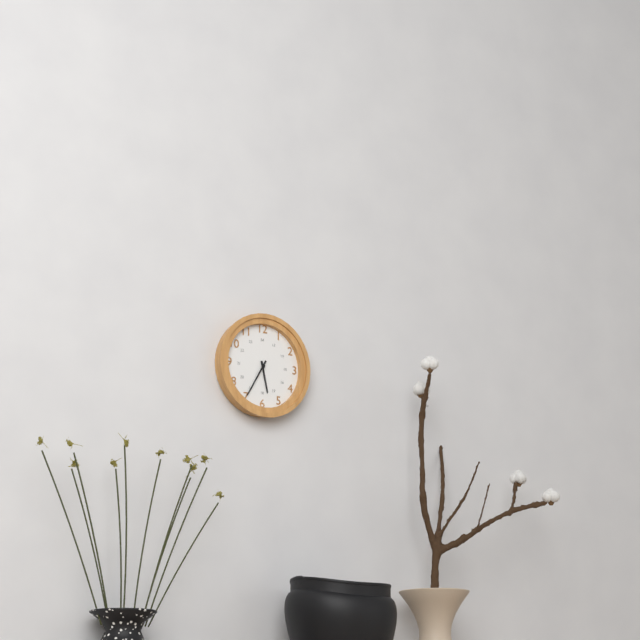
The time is 5,35
